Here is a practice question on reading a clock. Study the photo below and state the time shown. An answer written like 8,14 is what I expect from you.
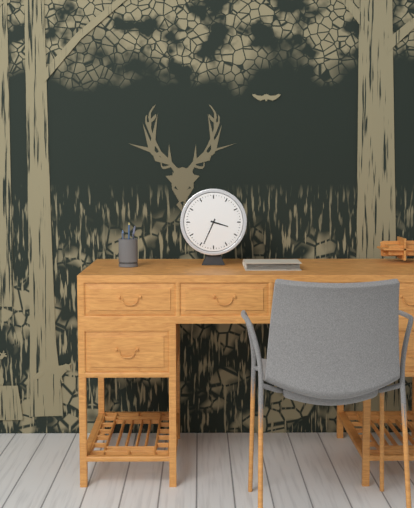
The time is 3,34
